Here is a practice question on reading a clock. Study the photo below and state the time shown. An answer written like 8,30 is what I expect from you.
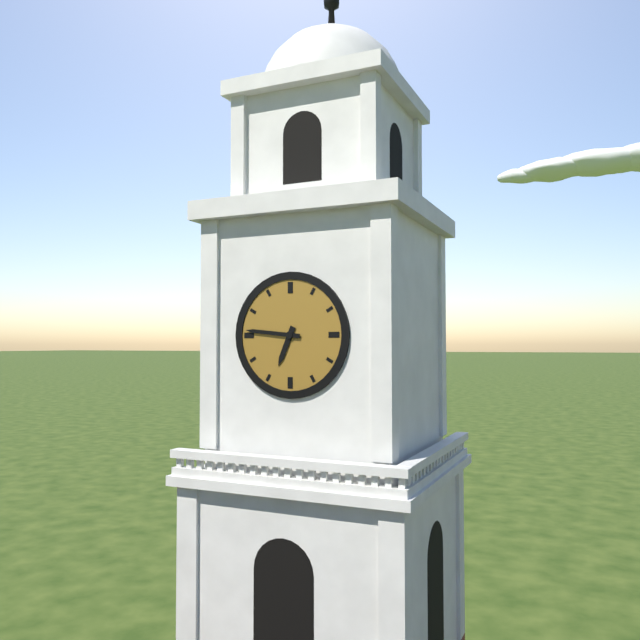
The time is 6,46
